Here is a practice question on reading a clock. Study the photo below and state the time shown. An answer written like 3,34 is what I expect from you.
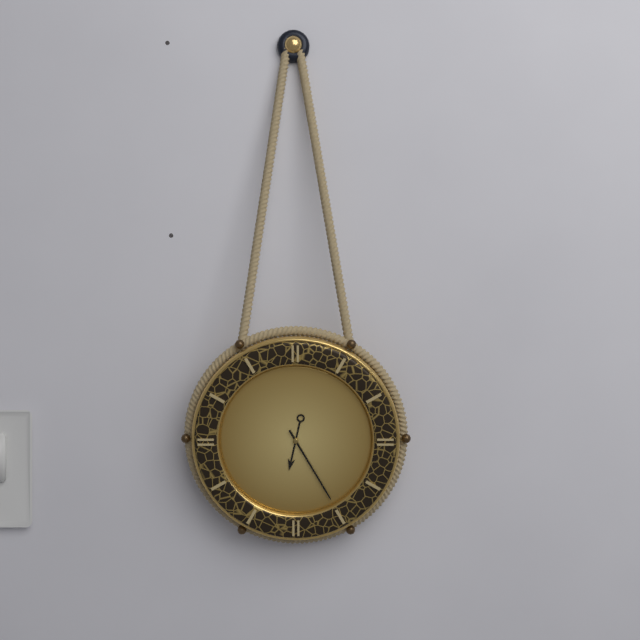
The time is 6,25
